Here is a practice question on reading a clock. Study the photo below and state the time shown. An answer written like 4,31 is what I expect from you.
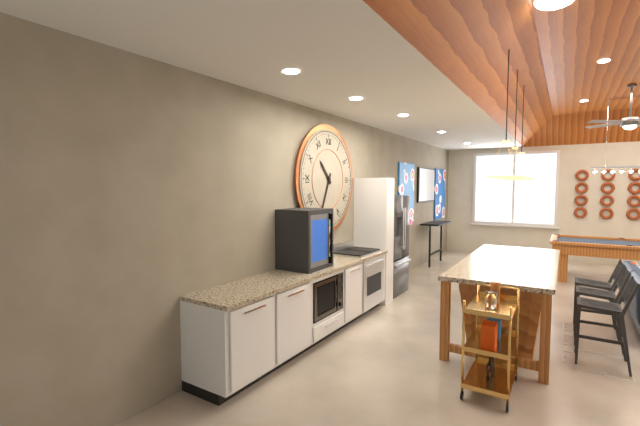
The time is 10,34
